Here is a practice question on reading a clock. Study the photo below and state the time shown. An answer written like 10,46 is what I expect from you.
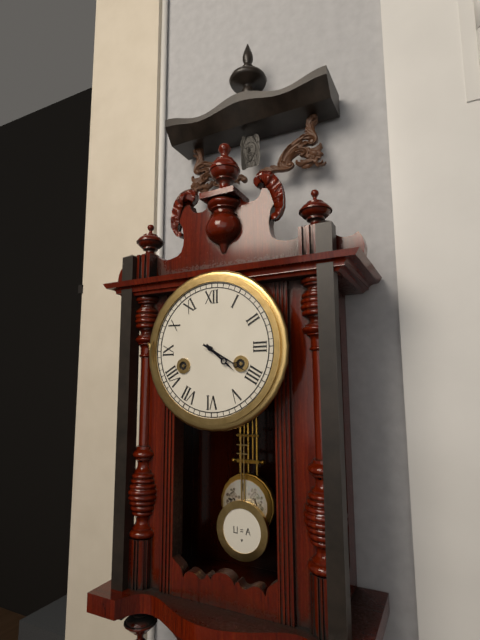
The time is 4,20
